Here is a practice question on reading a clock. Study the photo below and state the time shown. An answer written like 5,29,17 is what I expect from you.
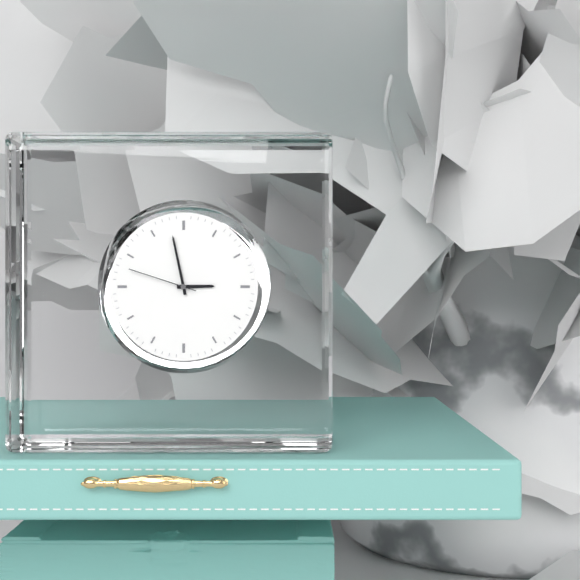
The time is 2,58,48
